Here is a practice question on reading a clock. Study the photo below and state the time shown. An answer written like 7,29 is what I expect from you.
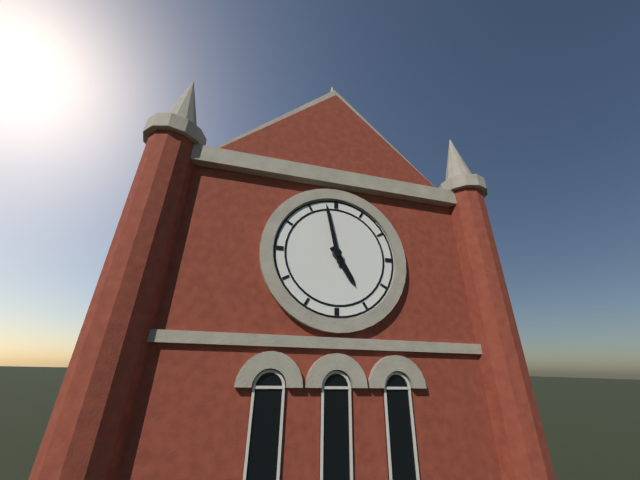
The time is 4,58
